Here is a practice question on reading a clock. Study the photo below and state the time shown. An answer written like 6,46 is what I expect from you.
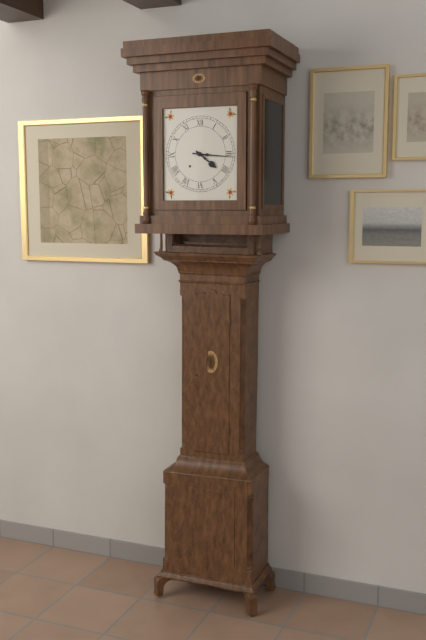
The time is 4,16
